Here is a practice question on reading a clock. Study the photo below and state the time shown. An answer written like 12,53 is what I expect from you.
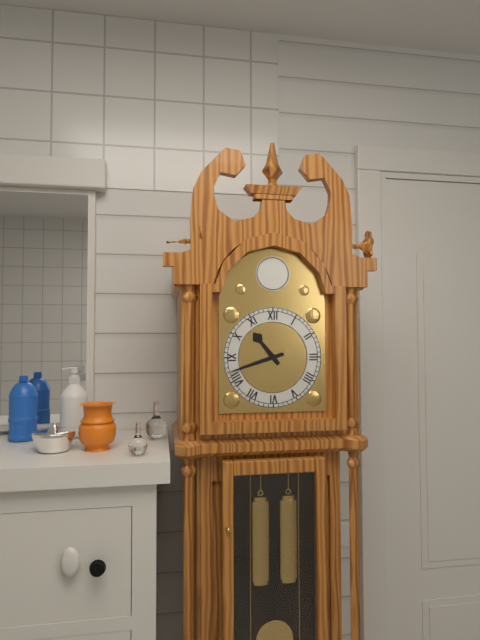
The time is 10,42
